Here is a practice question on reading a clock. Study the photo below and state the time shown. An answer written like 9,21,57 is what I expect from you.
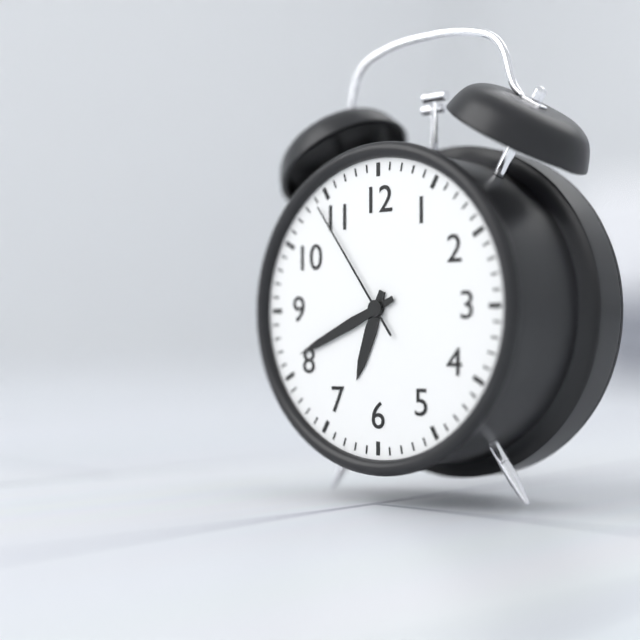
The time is 6,41,54
